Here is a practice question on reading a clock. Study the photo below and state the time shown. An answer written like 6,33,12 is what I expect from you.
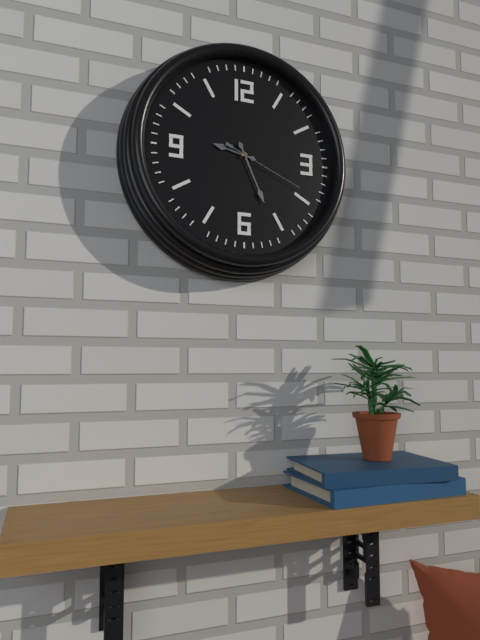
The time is 9,26,19
